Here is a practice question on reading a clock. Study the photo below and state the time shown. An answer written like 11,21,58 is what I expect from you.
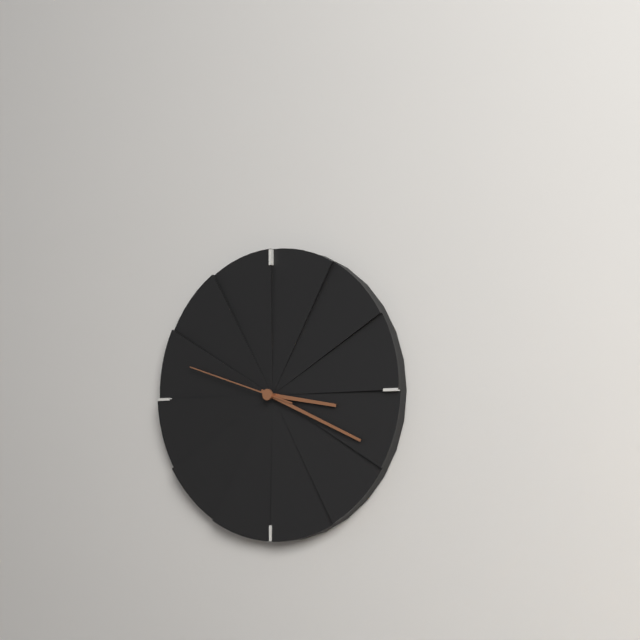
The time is 3,19,48
